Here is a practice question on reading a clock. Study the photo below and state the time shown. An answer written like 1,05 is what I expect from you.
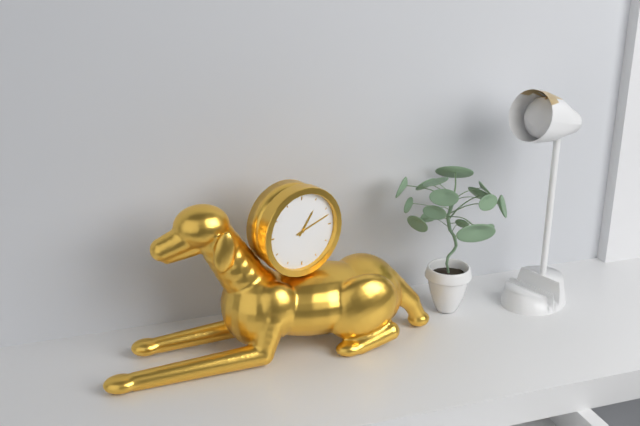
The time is 1,12
